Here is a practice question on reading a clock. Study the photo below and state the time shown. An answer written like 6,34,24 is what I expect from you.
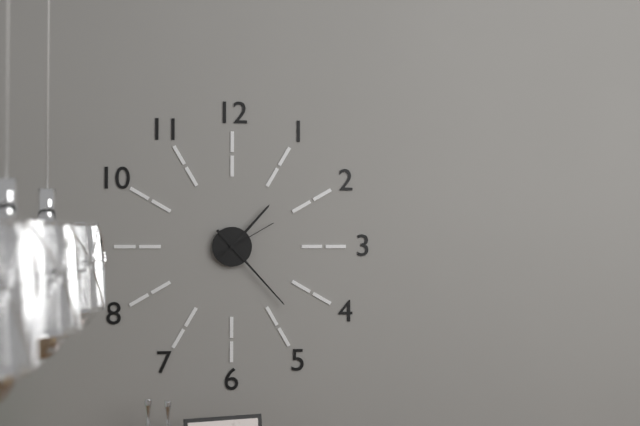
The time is 1,23,10
